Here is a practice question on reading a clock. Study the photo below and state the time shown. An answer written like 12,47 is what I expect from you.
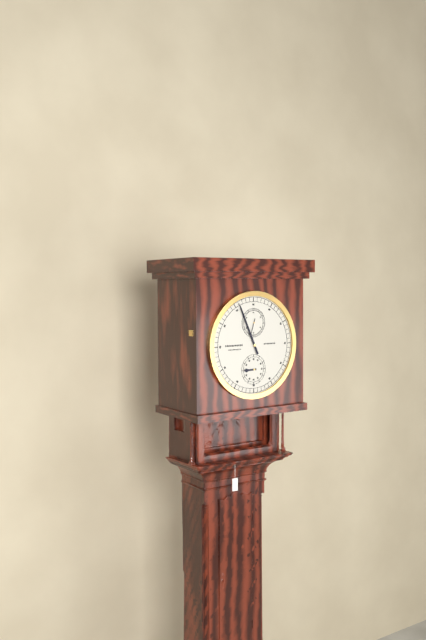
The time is 8,56
